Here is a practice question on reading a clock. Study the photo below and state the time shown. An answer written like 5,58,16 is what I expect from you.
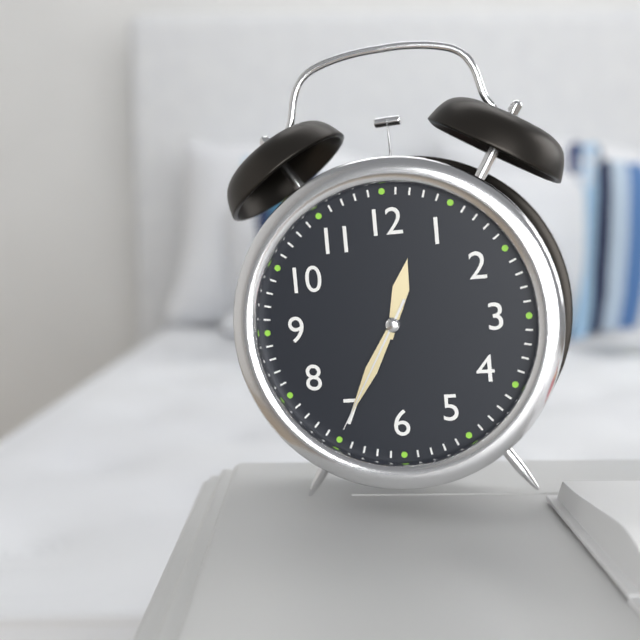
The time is 12,35,35
